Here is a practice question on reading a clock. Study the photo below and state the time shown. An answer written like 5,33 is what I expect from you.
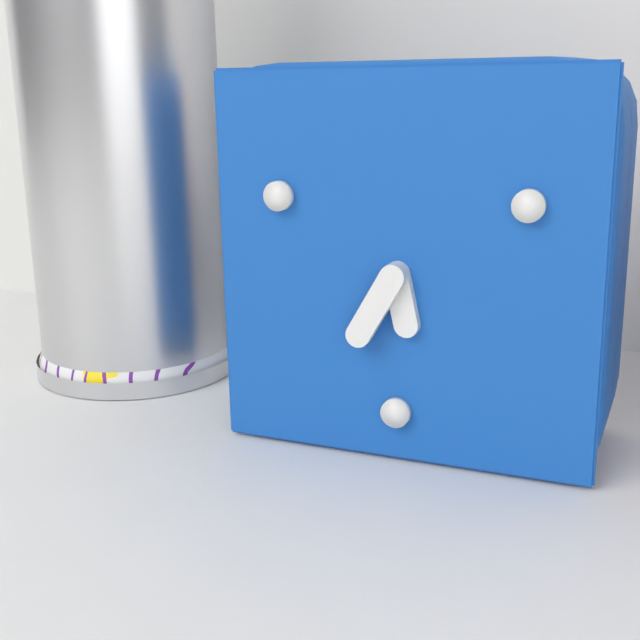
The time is 5,35
